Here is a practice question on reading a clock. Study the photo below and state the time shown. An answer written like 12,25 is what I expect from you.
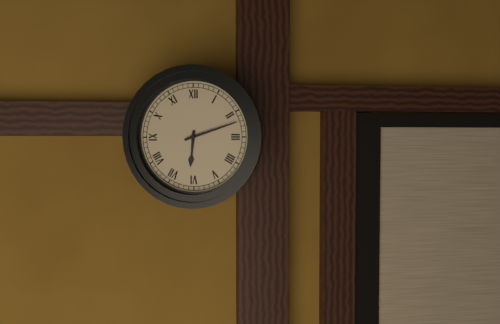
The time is 6,12
